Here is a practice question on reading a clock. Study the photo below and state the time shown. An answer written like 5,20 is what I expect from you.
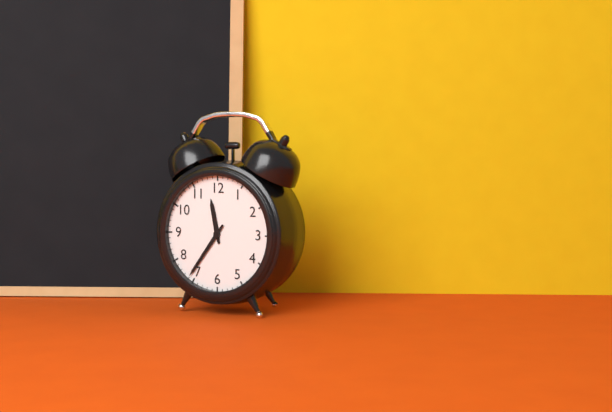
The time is 11,36
